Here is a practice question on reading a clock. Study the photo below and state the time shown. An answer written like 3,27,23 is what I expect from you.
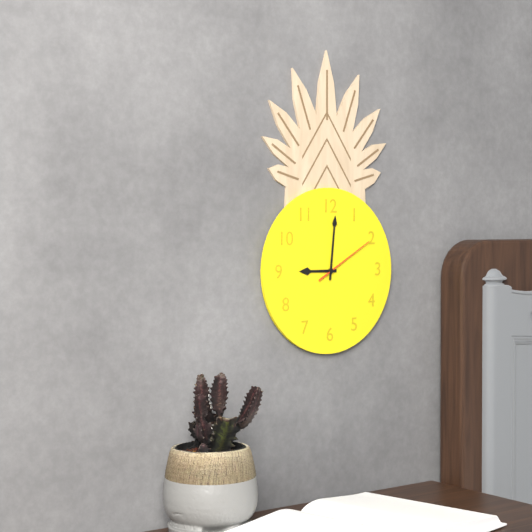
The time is 9,01,10
